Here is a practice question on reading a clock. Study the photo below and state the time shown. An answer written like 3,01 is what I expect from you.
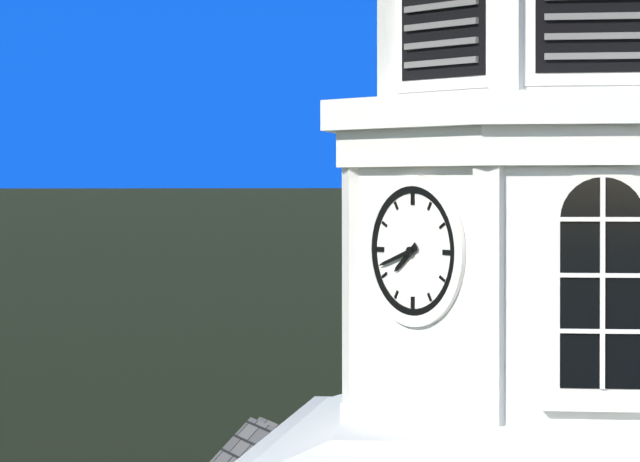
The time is 7,42
